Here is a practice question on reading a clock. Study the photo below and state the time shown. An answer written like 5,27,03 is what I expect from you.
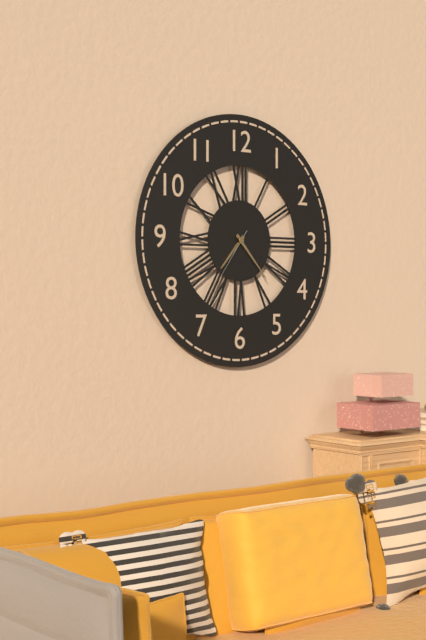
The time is 7,23,36
